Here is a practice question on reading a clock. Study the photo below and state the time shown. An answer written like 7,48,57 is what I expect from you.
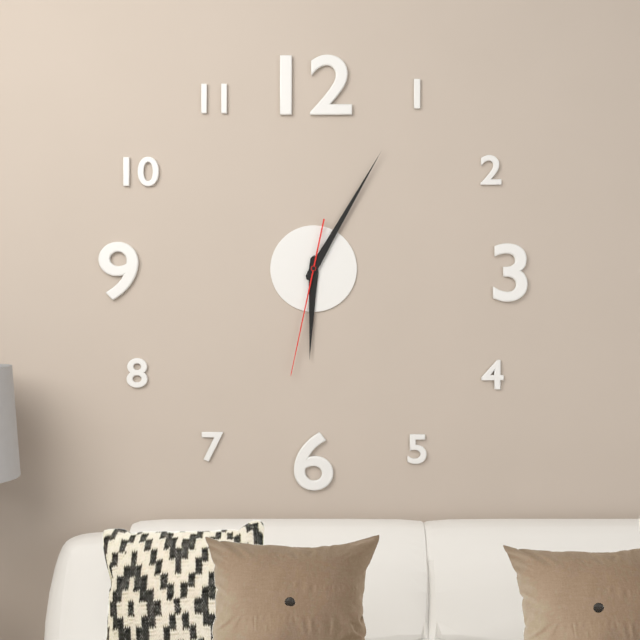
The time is 6,05,32
